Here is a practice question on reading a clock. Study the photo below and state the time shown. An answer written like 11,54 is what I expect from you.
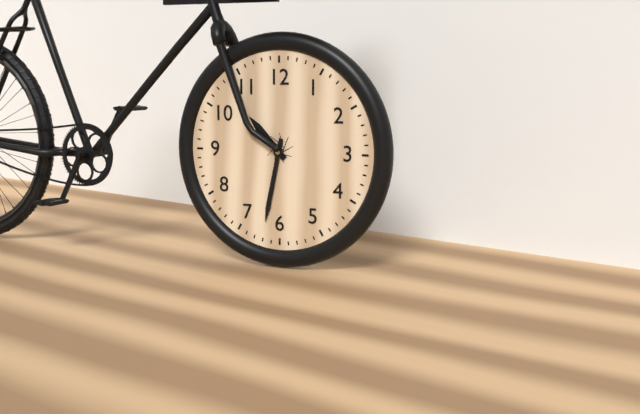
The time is 10,32
